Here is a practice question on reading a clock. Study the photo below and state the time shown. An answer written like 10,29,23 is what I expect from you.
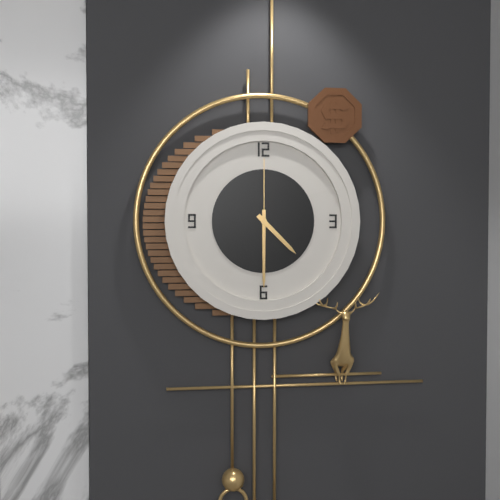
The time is 4,30,00
